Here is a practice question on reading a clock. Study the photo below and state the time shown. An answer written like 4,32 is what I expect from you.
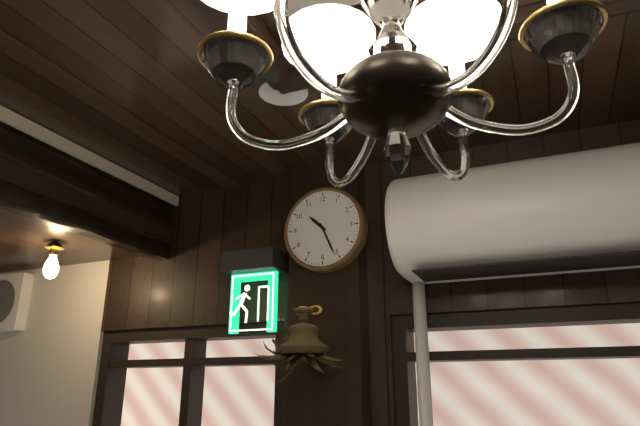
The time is 10,26
